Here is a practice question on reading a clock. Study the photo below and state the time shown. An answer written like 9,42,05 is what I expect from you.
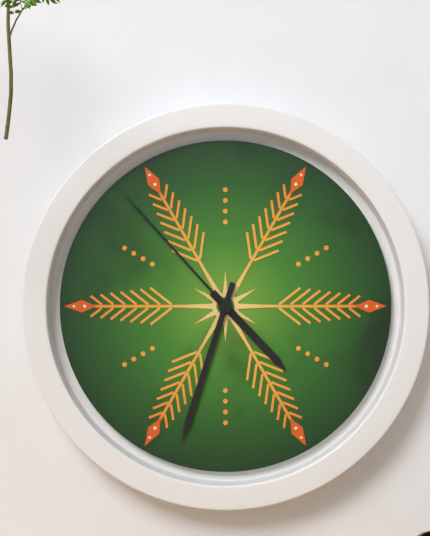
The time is 4,33,53
